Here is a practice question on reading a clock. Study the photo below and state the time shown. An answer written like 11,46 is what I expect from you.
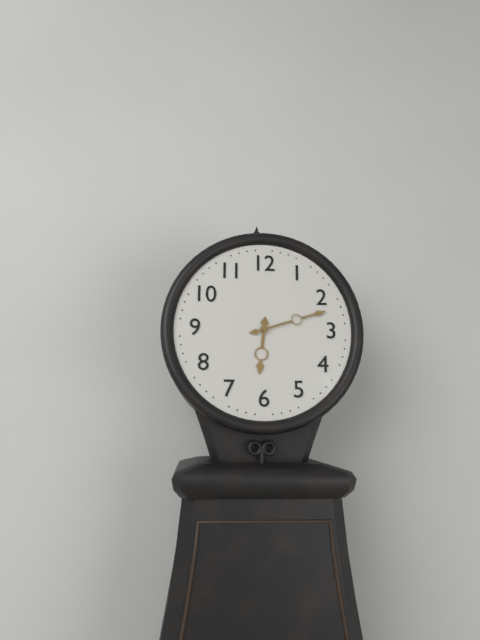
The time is 6,12
